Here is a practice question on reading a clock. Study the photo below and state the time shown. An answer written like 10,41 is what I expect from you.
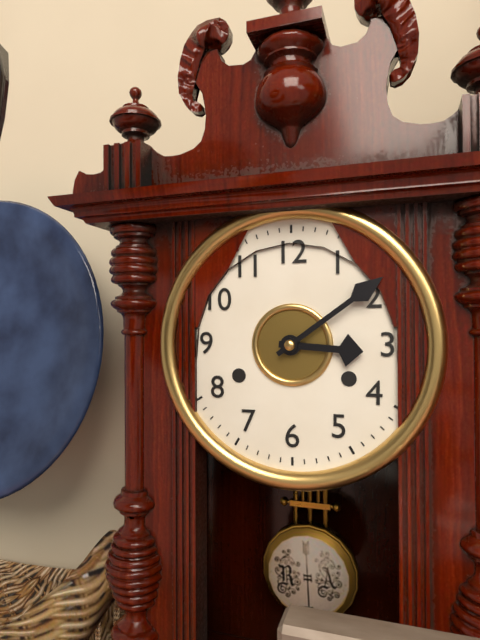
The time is 3,09
